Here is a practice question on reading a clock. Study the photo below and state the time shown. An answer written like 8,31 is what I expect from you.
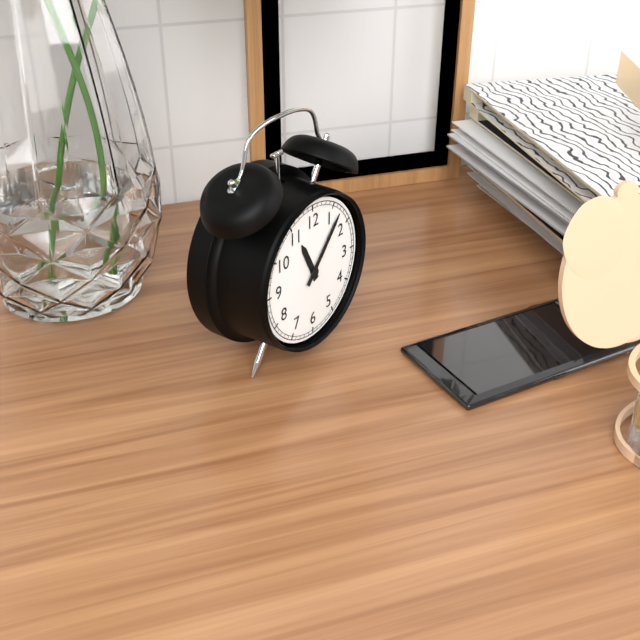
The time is 11,07
